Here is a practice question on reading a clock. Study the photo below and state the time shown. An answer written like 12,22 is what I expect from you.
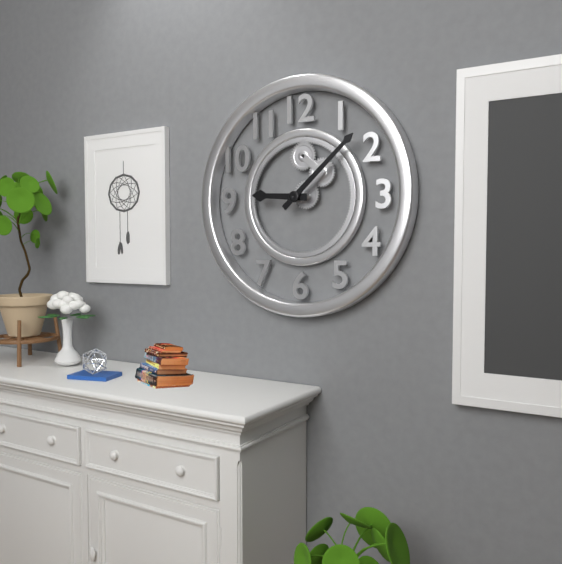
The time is 9,08
